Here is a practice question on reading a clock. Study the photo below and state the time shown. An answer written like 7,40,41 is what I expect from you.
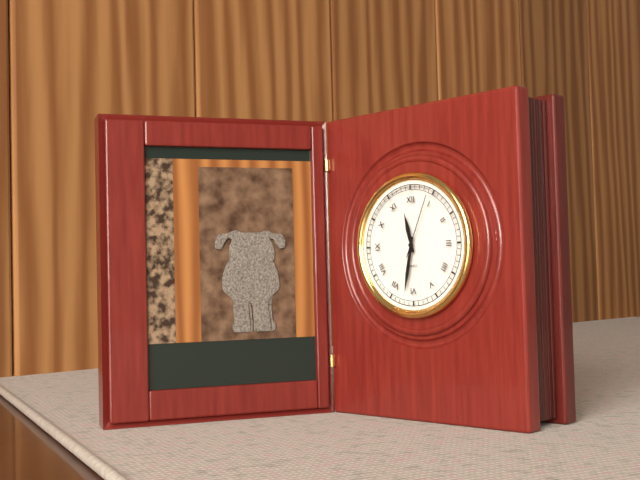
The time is 11,32,04
